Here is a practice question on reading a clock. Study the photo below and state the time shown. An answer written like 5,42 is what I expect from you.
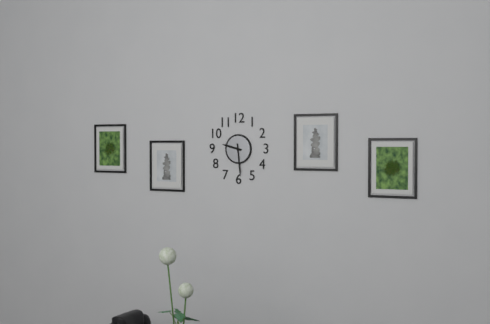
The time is 9,29
